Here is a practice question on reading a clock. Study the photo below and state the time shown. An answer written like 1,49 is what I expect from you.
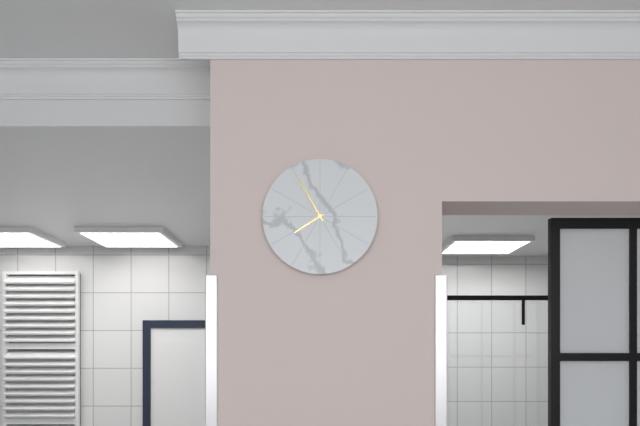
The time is 7,55
